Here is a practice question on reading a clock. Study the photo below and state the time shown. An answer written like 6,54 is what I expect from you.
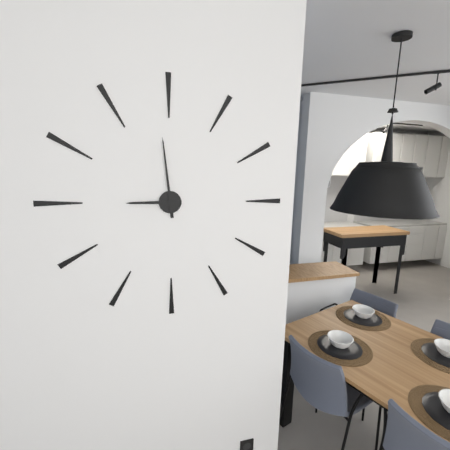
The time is 8,59
